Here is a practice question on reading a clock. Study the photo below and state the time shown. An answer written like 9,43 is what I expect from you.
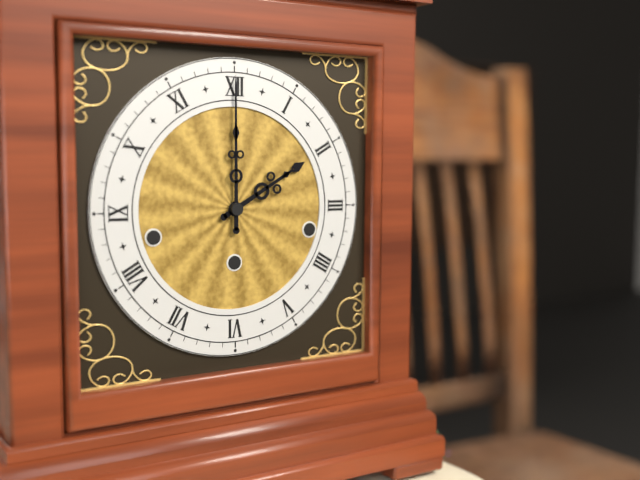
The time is 2,00
